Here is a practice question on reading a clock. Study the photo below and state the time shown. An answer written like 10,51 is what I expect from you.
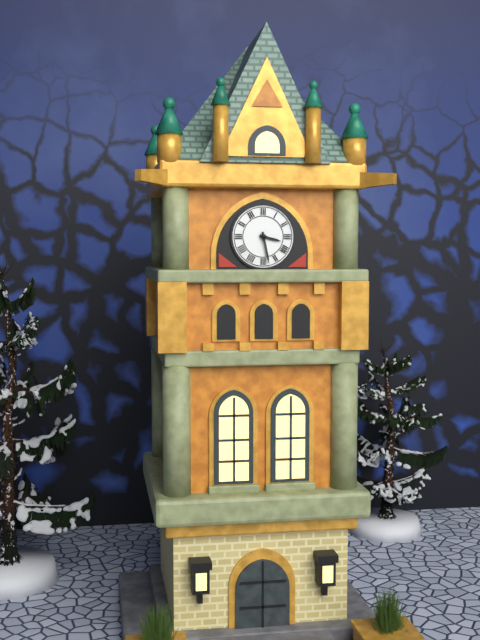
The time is 3,28
